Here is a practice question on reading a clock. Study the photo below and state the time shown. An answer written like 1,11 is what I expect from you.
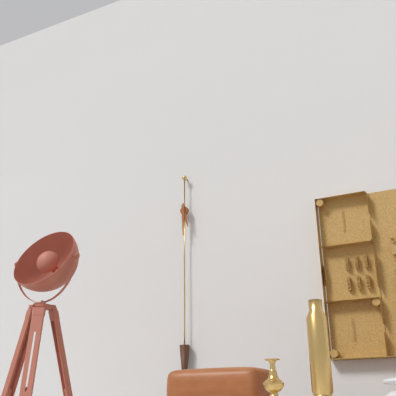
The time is 5,30
